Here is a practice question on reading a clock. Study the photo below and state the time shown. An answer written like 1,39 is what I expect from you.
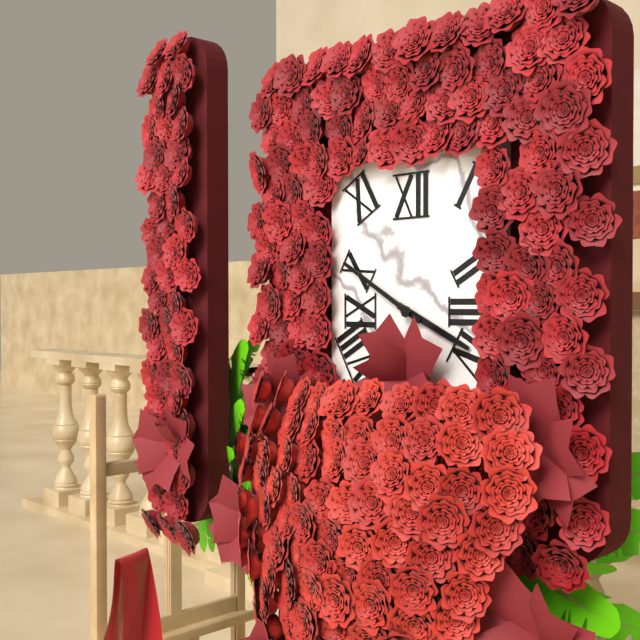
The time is 3,50
